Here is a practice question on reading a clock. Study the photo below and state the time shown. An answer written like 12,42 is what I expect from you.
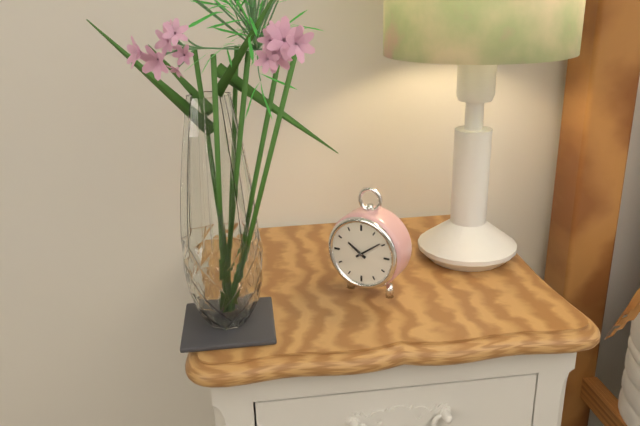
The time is 10,09
